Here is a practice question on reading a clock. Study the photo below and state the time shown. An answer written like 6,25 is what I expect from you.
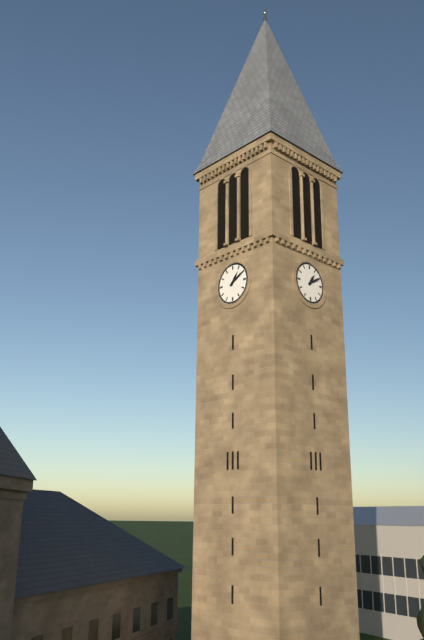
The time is 1,10
